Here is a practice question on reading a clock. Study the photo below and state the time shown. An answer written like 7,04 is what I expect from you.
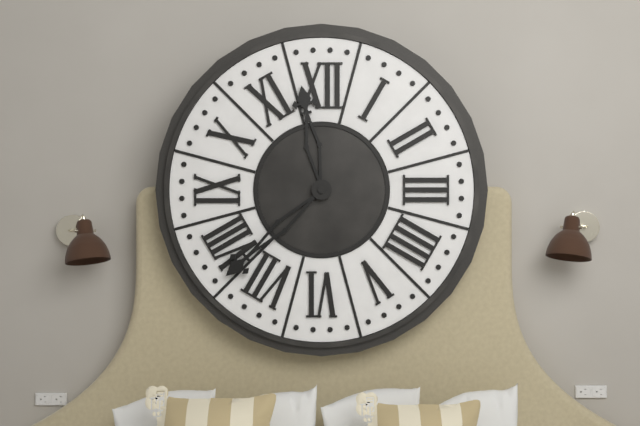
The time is 11,38
